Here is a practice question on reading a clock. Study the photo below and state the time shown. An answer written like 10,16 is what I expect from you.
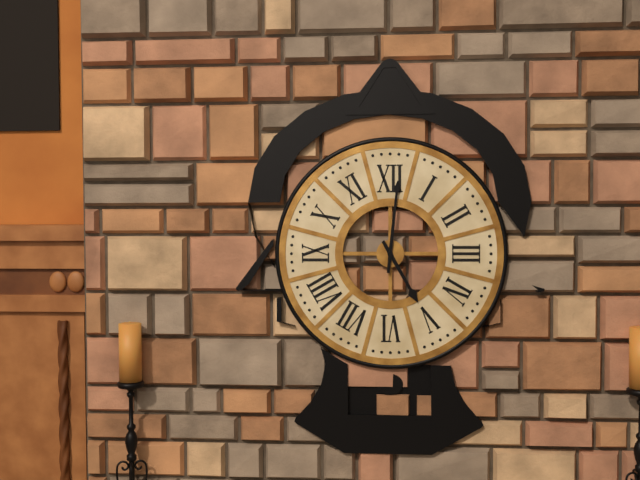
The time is 5,01
